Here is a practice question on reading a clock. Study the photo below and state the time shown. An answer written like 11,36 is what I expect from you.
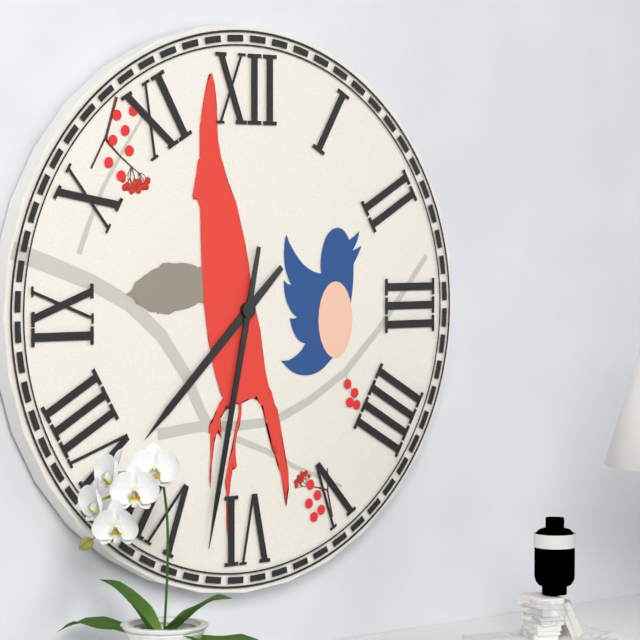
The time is 7,32
